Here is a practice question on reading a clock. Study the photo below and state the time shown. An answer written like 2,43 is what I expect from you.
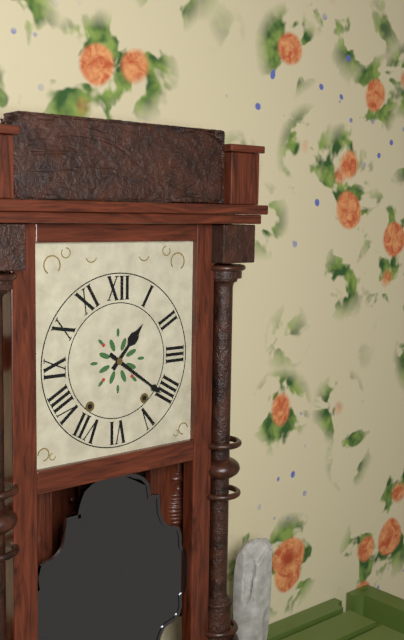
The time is 1,21
